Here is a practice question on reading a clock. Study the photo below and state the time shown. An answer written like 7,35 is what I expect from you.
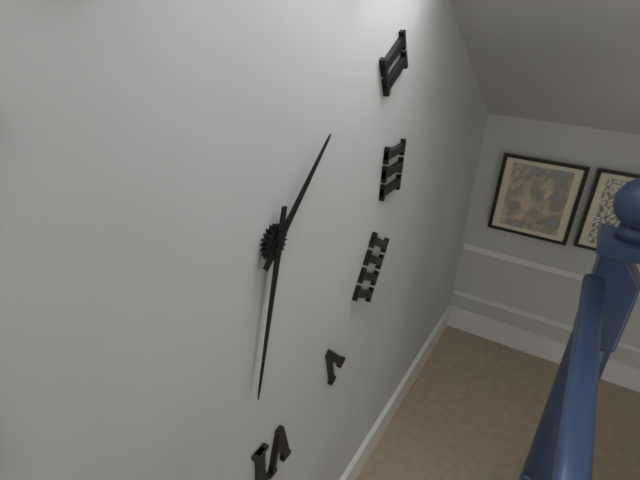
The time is 1,32
